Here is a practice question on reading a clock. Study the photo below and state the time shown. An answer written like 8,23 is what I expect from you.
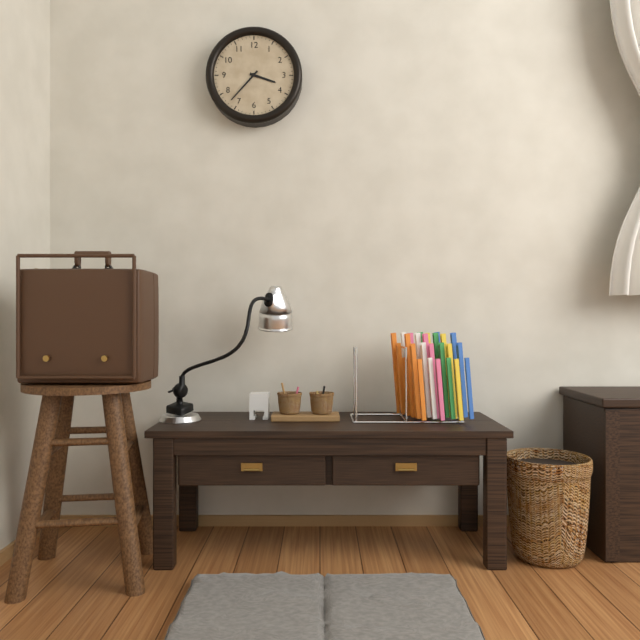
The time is 3,37
